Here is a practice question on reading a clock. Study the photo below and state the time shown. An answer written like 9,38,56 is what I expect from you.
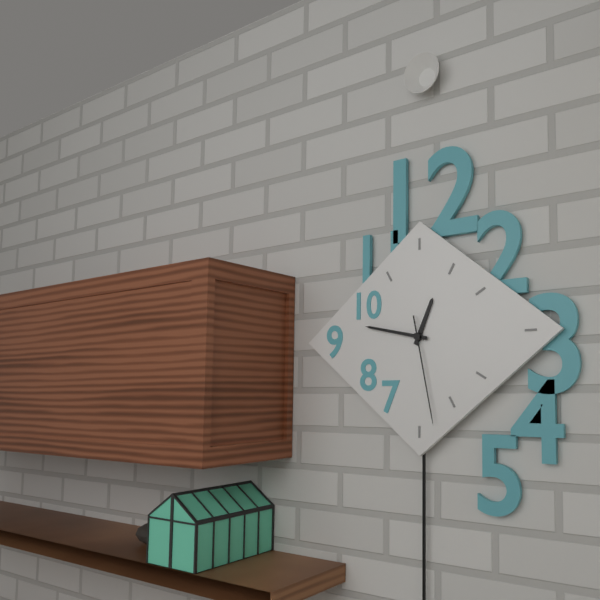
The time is 12,47,28
